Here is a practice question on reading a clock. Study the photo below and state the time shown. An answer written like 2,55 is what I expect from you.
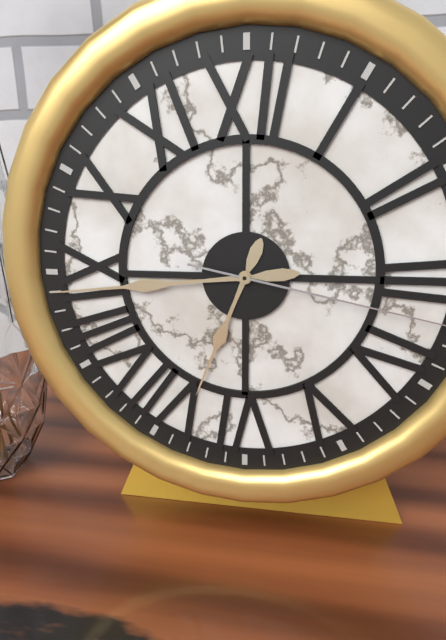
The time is 6,44
